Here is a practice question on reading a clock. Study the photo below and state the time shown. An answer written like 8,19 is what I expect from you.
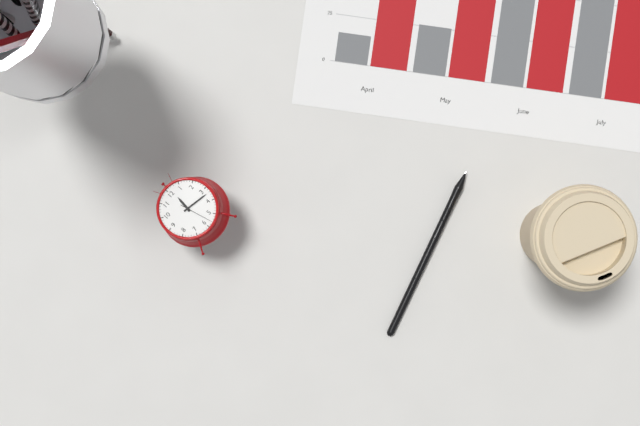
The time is 12,17
